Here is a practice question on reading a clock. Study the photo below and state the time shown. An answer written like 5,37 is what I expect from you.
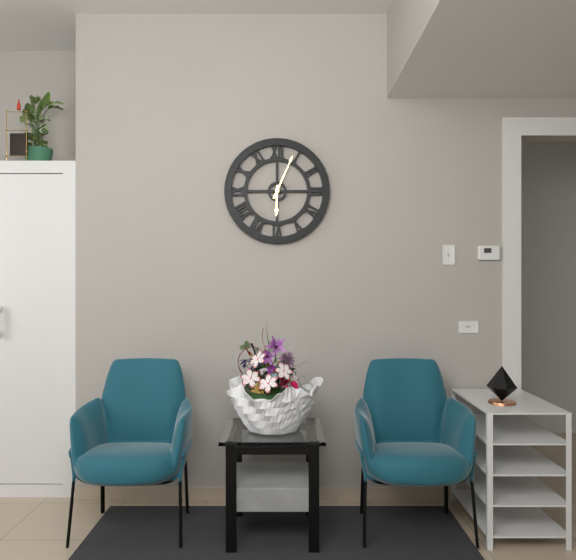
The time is 6,04
